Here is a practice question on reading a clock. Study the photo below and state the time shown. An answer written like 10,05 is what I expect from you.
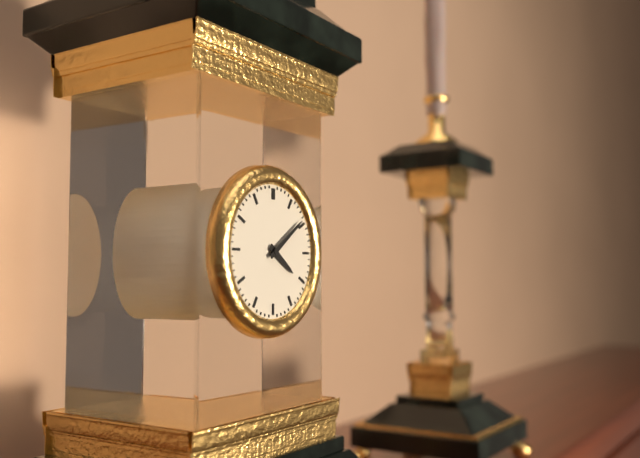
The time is 4,09
